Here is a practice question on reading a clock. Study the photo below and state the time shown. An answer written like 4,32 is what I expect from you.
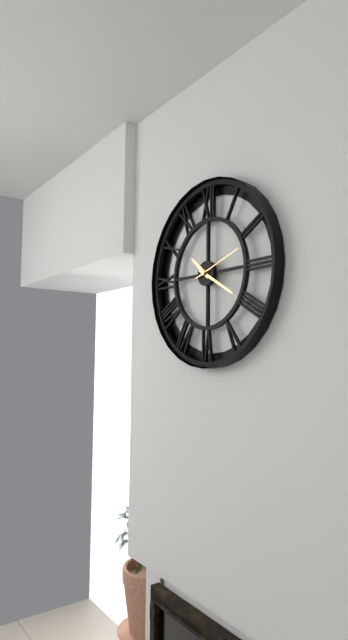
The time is 10,20
